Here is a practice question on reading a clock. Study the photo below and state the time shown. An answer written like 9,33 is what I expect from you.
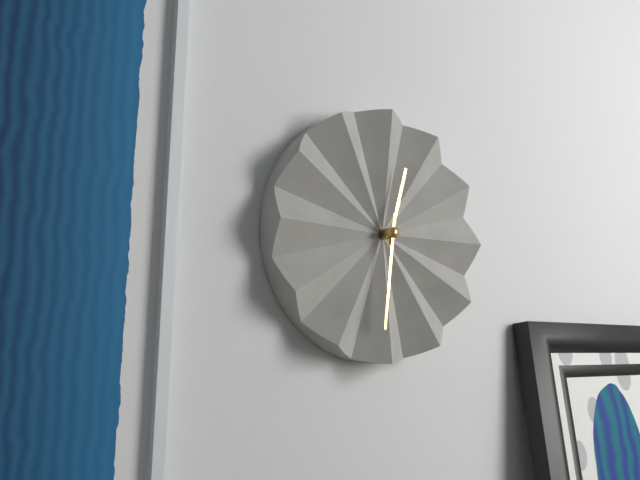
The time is 12,31
